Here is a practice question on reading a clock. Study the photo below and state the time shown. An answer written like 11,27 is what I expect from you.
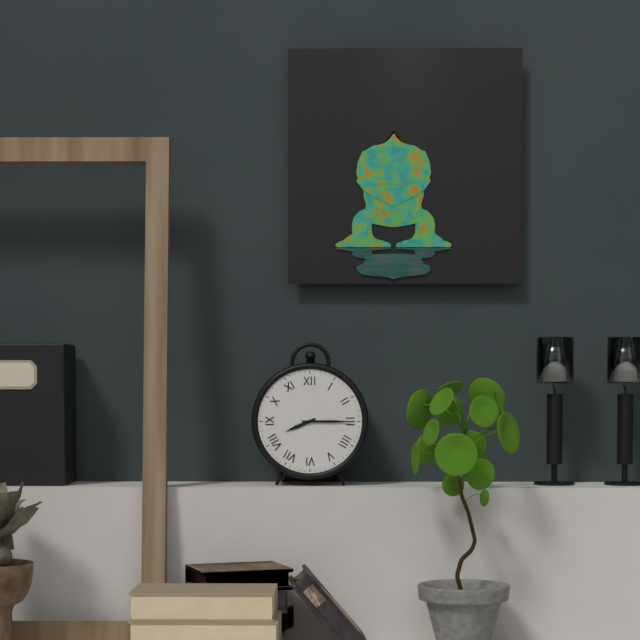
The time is 8,15
